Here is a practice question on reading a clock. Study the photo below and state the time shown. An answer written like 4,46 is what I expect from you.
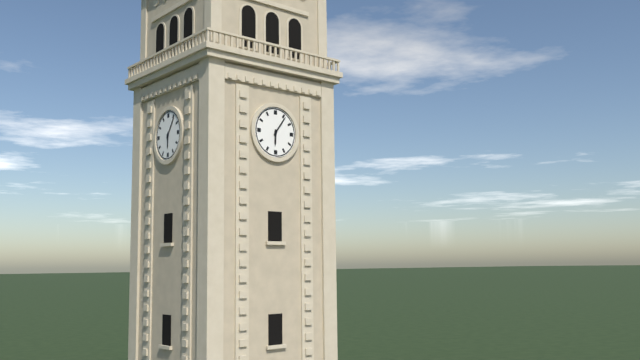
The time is 6,06
